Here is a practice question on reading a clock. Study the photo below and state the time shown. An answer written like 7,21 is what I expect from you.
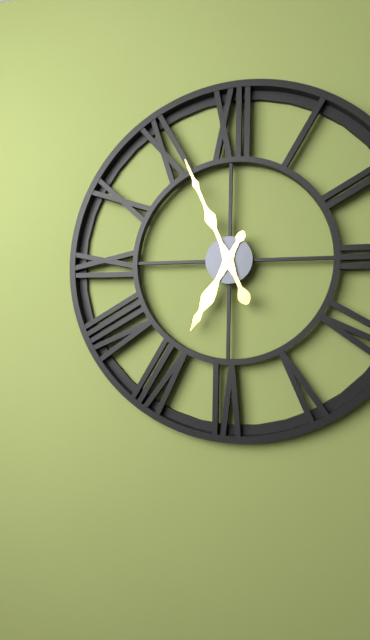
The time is 6,56
